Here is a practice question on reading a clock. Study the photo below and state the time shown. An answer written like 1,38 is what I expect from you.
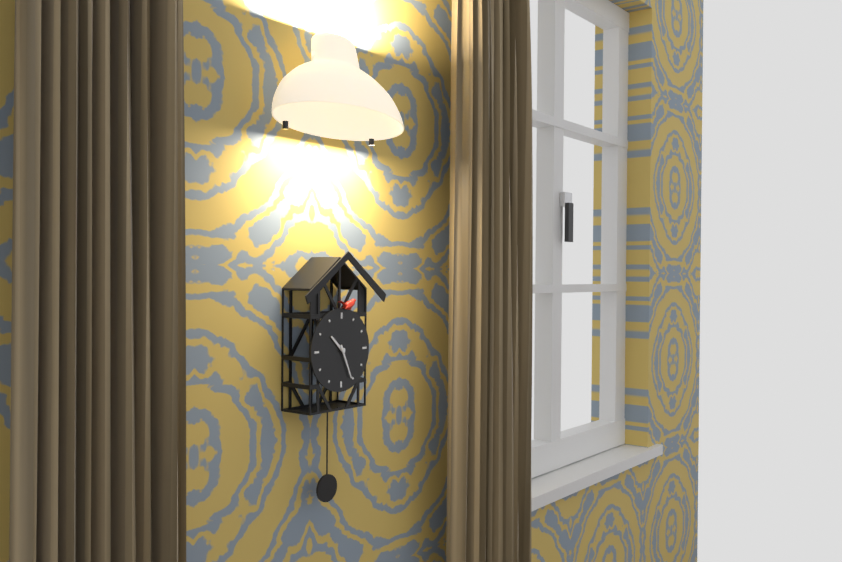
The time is 10,26
